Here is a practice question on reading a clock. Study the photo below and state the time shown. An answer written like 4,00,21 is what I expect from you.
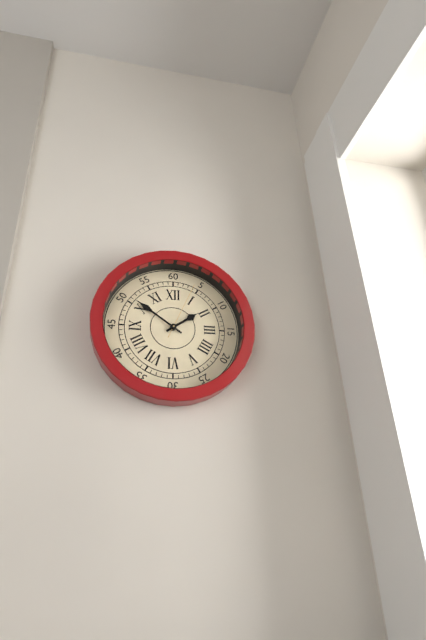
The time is 1,51,04
